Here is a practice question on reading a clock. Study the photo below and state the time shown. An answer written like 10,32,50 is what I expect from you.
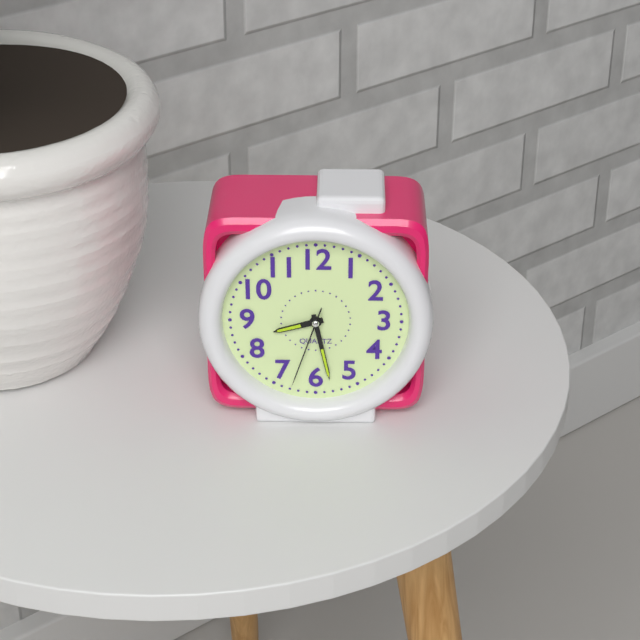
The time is 8,28,33
